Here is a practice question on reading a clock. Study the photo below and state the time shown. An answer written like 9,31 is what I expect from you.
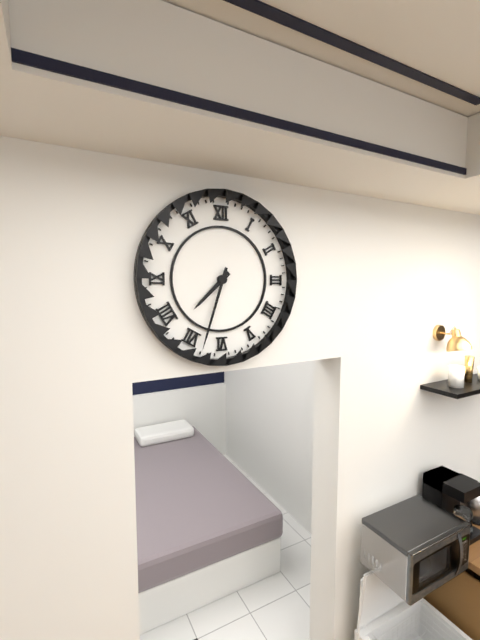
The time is 7,33
